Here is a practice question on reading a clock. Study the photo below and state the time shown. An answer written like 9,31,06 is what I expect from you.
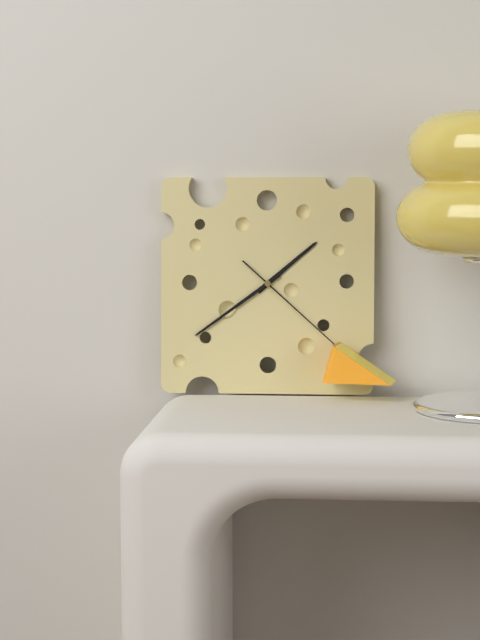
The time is 1,39,22
